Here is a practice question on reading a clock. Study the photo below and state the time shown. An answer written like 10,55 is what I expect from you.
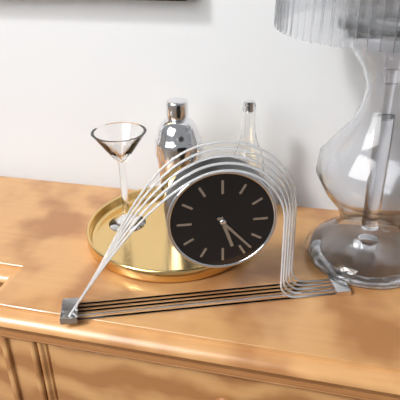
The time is 5,23
